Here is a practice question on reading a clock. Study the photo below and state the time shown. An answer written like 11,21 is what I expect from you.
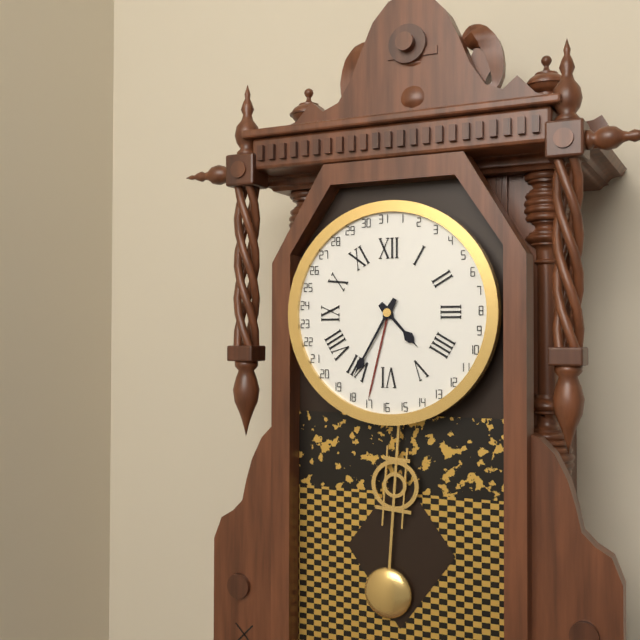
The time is 4,35
